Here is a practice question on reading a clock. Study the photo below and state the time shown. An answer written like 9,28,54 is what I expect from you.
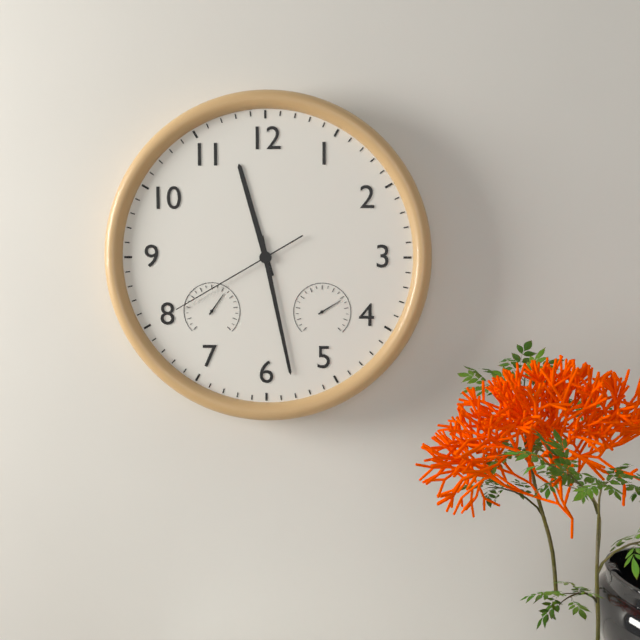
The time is 11,28,40
